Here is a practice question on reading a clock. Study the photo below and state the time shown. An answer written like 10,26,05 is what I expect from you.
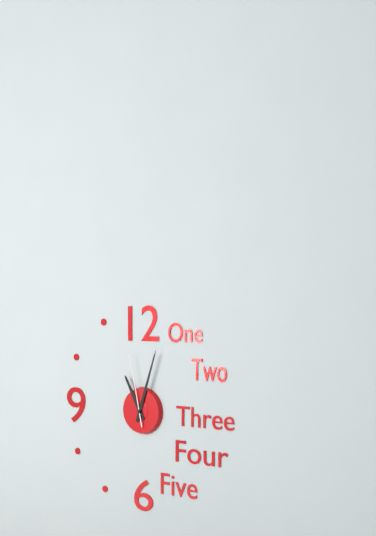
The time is 11,03,58
